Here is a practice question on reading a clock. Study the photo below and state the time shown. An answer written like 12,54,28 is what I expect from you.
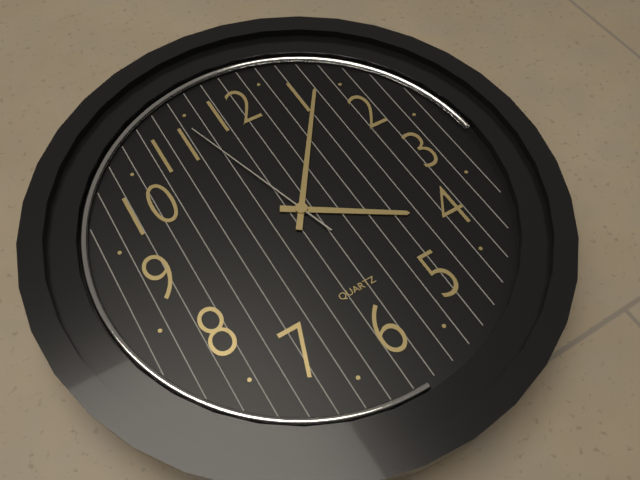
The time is 4,06,57
